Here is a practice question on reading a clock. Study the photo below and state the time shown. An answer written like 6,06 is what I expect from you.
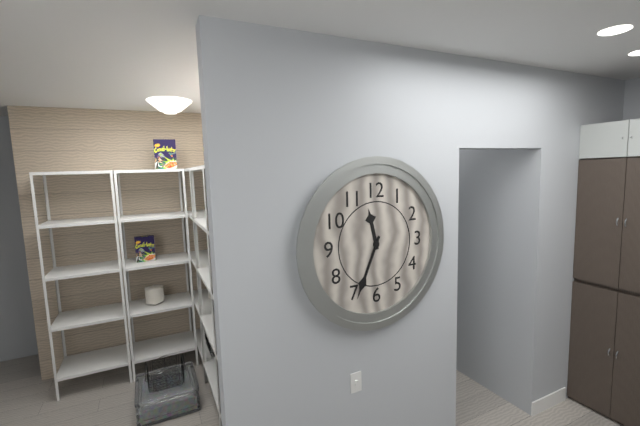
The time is 11,34
